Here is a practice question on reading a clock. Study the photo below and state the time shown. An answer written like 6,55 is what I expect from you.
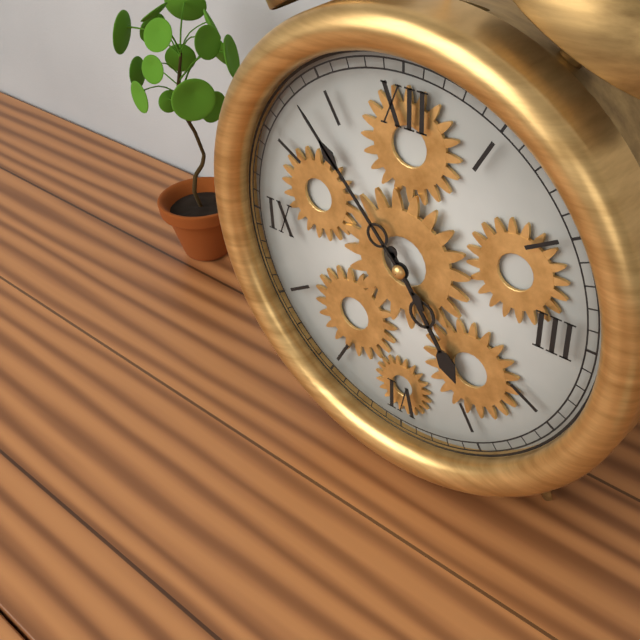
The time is 4,53
